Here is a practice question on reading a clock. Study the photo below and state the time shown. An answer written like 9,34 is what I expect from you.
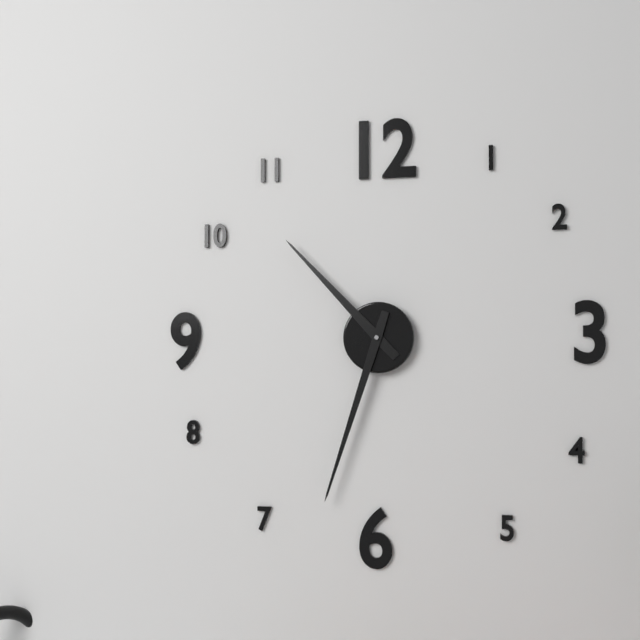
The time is 10,33
